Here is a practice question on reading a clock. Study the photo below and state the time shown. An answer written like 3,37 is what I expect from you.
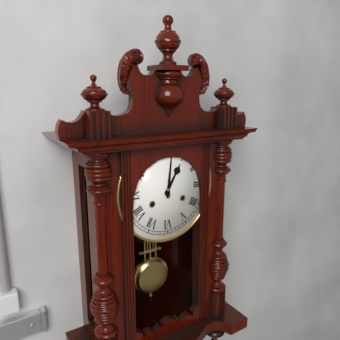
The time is 1,01
